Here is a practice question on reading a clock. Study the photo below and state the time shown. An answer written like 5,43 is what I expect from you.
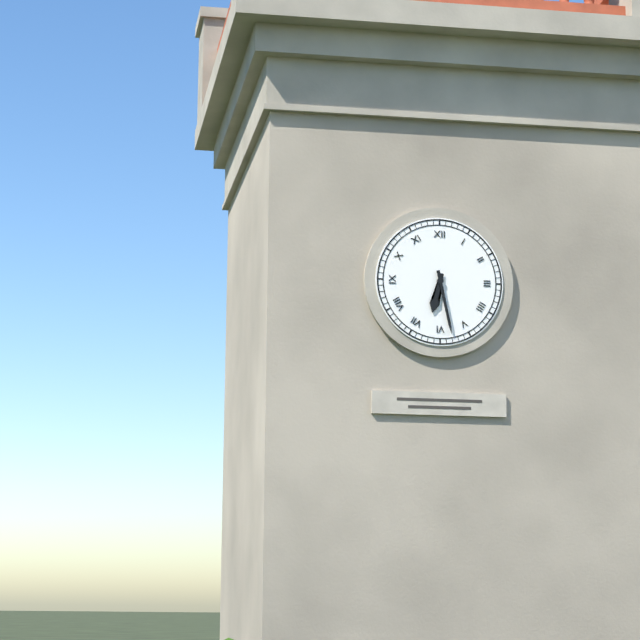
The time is 6,28
